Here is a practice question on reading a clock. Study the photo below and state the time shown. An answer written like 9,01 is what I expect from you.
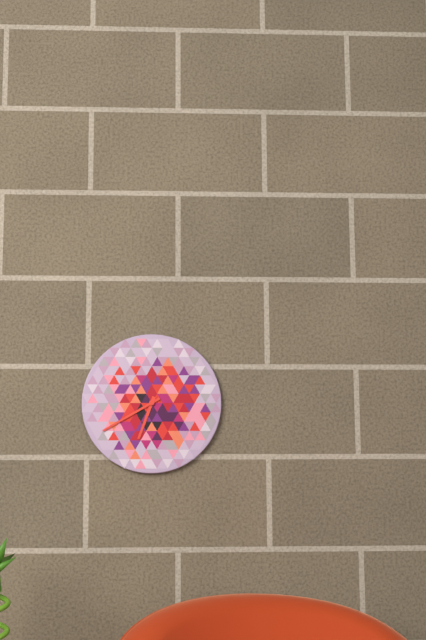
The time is 6,40
